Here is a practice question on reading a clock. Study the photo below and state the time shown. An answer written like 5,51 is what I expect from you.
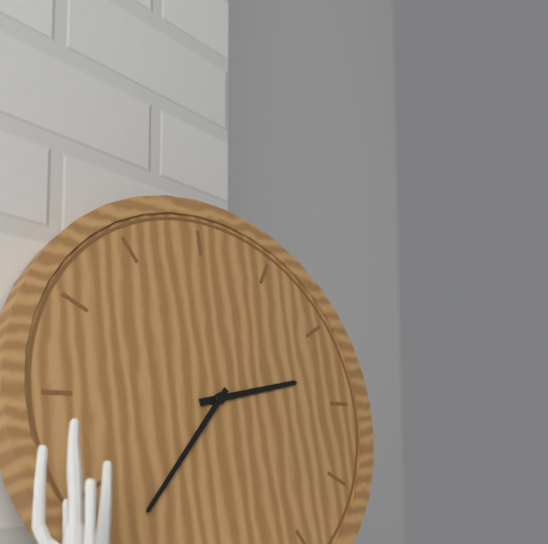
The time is 2,37
